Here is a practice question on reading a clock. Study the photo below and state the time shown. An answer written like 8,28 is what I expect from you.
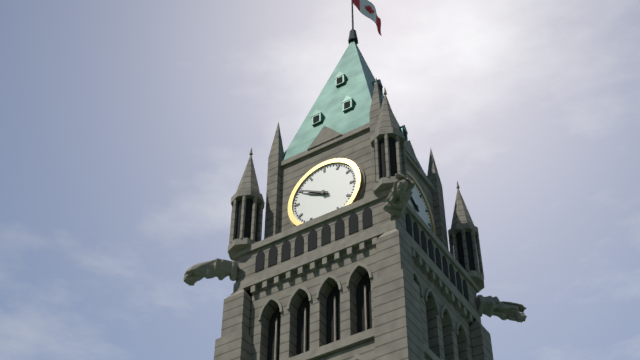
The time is 9,50
